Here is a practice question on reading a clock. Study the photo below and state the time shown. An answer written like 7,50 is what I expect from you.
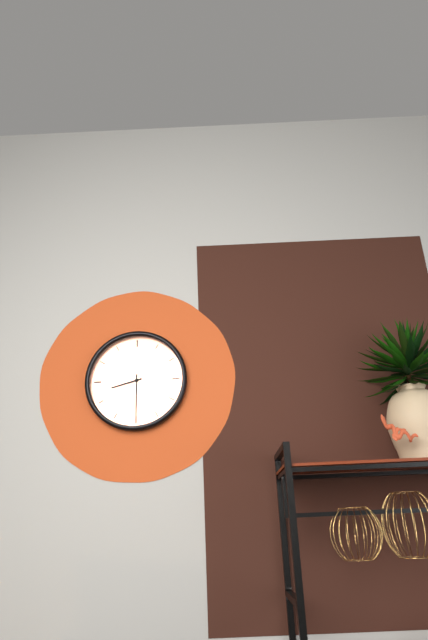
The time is 8,30
